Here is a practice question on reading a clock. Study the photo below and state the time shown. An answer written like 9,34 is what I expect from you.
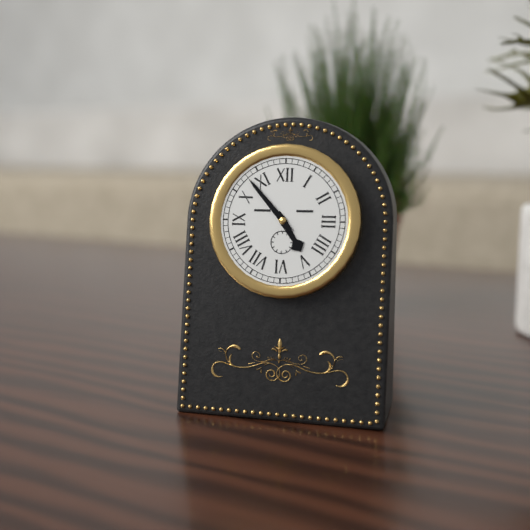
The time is 4,53
